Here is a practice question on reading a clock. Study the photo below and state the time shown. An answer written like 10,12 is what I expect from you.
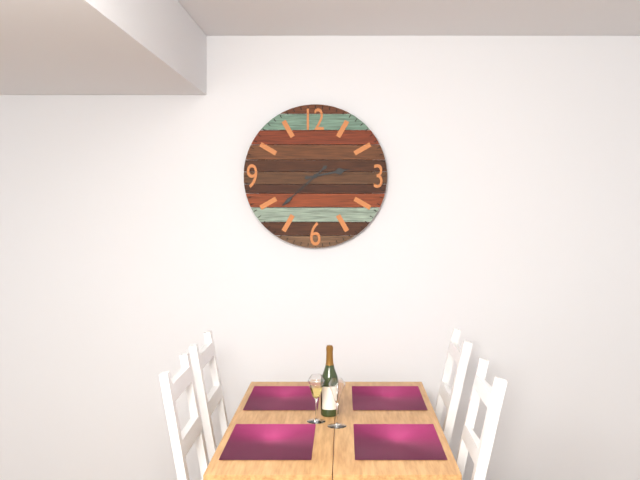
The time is 2,38
